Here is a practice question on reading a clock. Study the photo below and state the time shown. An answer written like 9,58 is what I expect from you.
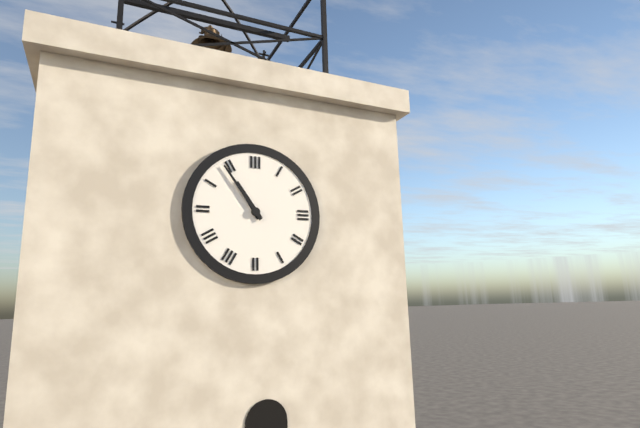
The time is 10,54
